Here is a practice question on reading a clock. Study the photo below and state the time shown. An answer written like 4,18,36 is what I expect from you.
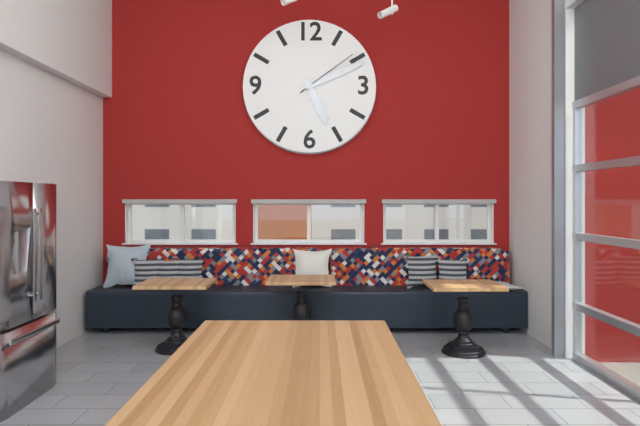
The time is 5,11,09
